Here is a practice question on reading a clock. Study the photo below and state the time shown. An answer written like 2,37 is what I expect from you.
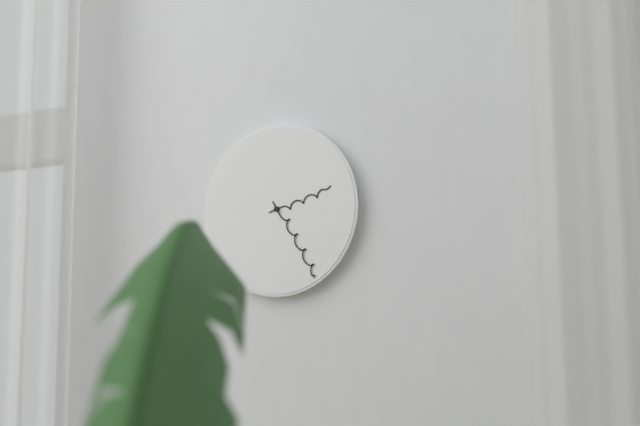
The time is 2,25
